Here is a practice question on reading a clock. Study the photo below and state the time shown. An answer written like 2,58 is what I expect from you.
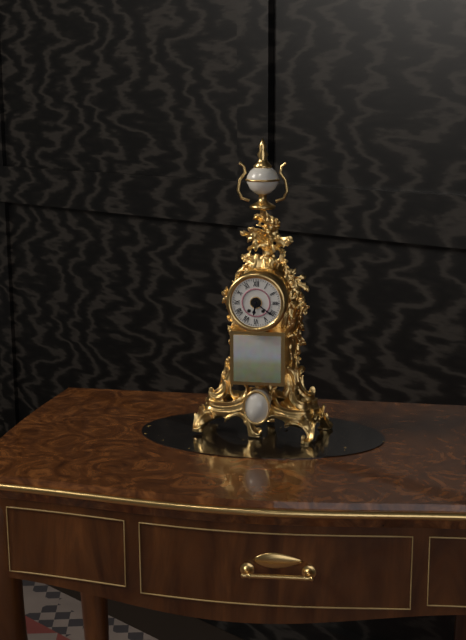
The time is 6,21
